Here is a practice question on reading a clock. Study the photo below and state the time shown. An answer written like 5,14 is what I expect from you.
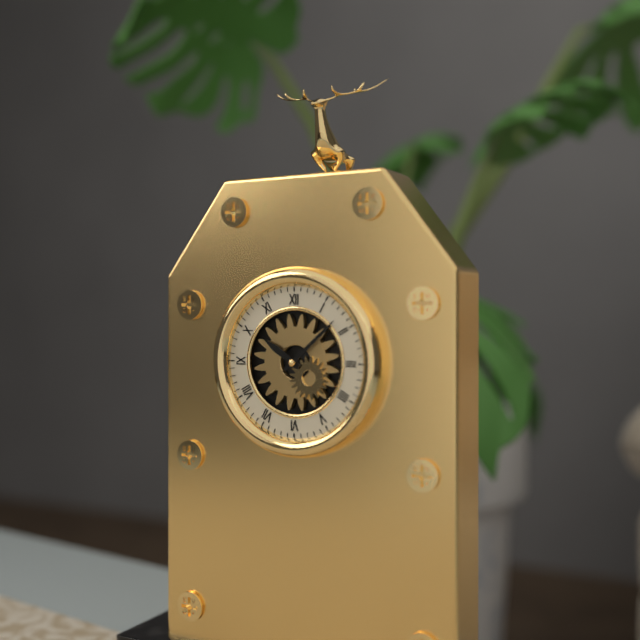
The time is 10,08
